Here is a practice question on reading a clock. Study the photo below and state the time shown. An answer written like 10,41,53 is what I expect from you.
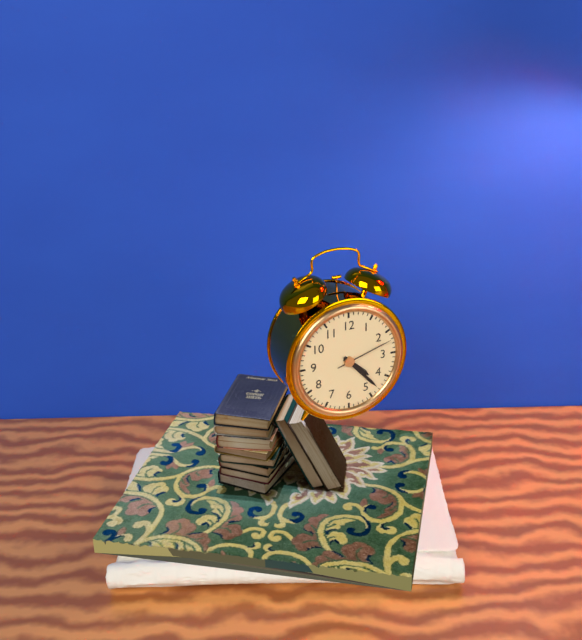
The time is 4,23,12
